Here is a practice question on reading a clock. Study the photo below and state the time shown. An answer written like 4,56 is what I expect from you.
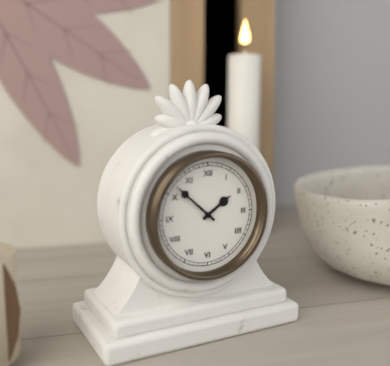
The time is 1,52
